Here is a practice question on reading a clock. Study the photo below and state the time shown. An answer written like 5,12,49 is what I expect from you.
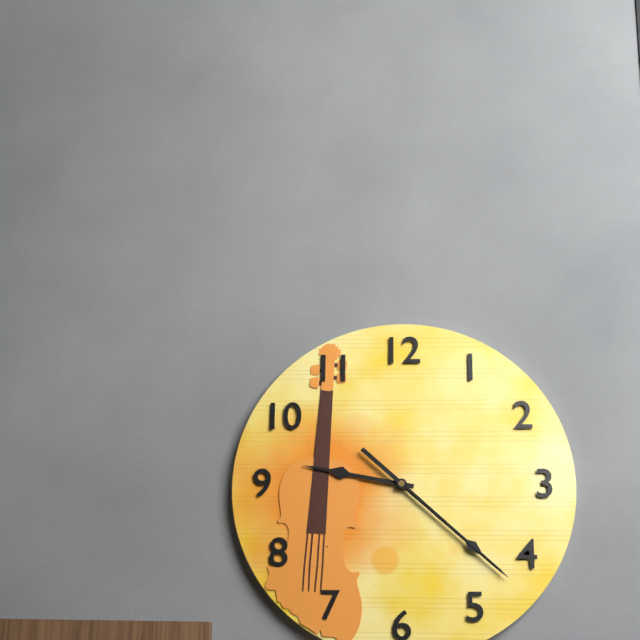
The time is 9,22,22
